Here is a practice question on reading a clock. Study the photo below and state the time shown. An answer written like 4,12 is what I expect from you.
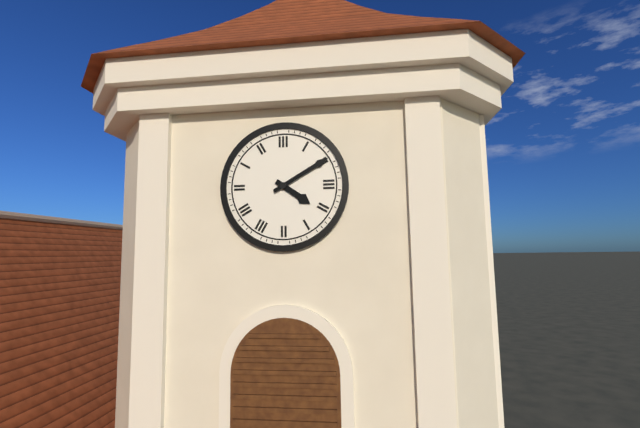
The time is 4,10
